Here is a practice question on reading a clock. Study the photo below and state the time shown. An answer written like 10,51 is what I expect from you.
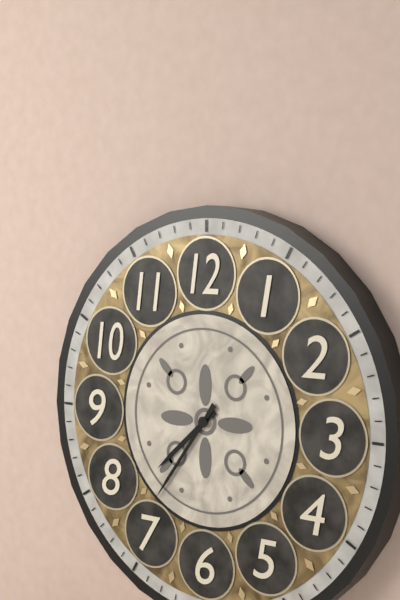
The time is 7,36
